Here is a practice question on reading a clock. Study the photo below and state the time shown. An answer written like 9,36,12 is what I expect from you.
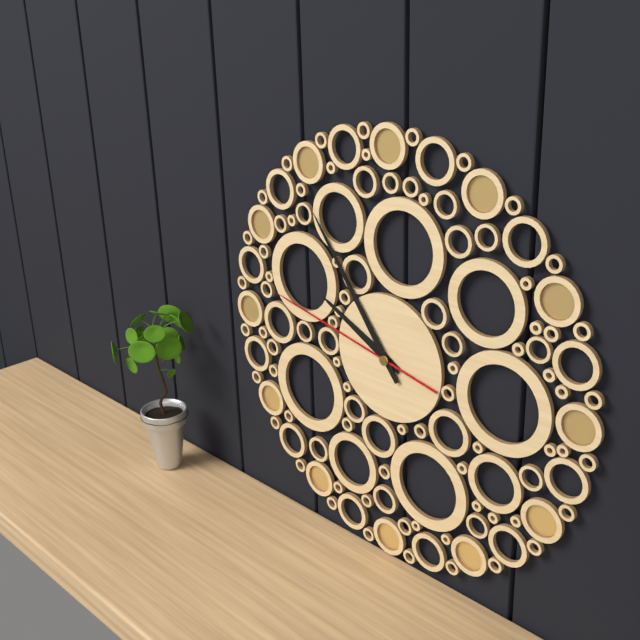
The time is 9,54,47
